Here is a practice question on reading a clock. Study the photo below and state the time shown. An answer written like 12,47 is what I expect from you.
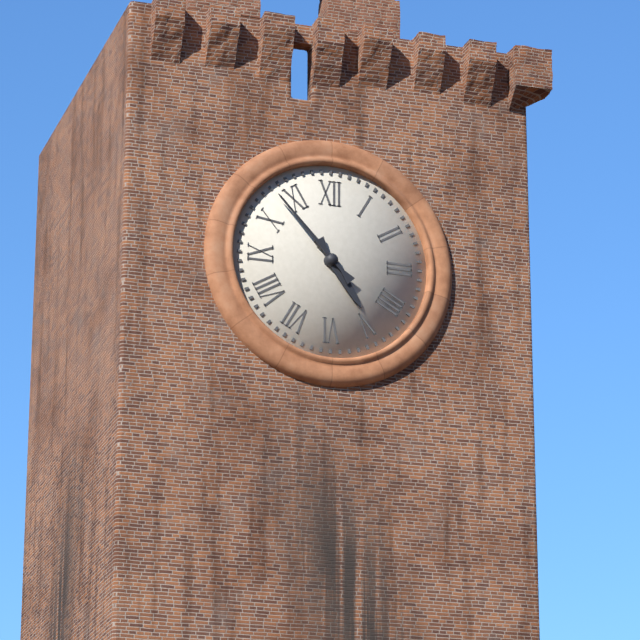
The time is 4,53
